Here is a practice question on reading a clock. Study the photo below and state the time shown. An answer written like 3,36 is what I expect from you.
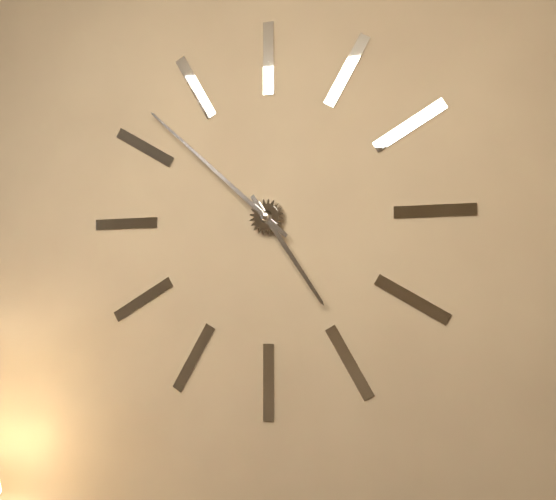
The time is 4,52
